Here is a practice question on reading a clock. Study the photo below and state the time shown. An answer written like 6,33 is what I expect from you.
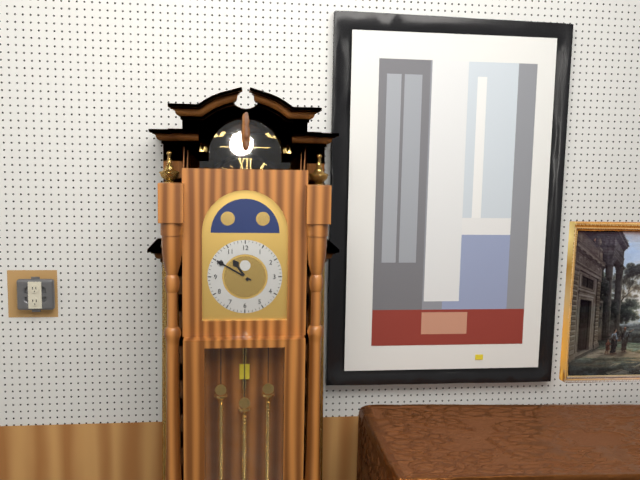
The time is 10,50
